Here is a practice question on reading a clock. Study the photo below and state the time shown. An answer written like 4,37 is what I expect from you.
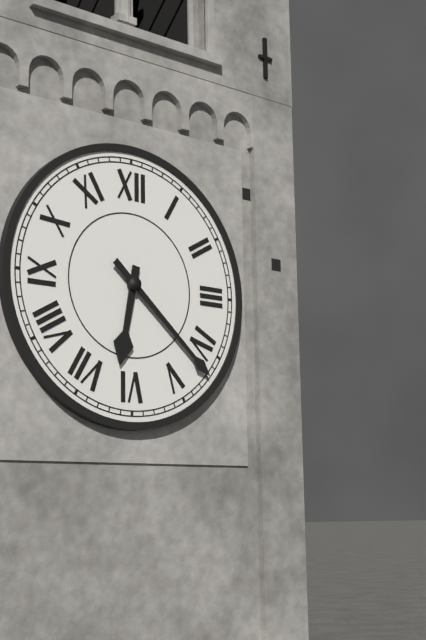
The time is 6,22
